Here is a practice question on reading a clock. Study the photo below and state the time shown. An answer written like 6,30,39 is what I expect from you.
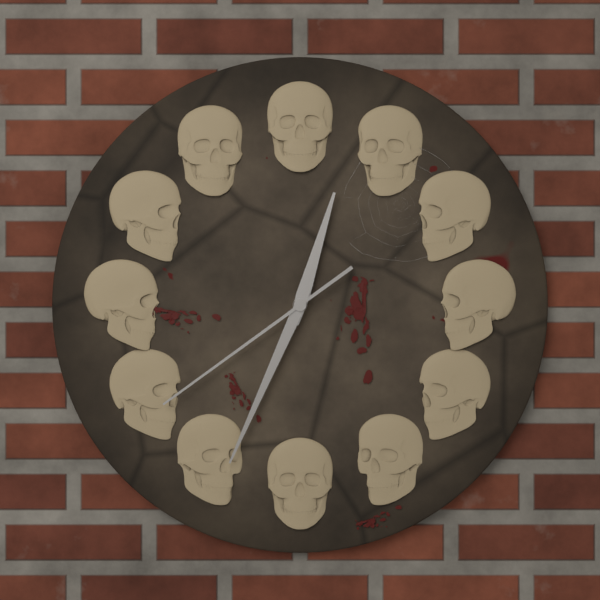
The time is 12,34,39
